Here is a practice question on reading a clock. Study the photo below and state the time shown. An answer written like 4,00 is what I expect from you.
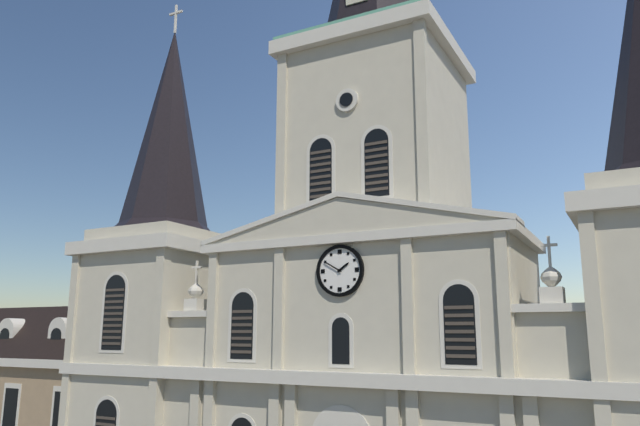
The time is 1,50
